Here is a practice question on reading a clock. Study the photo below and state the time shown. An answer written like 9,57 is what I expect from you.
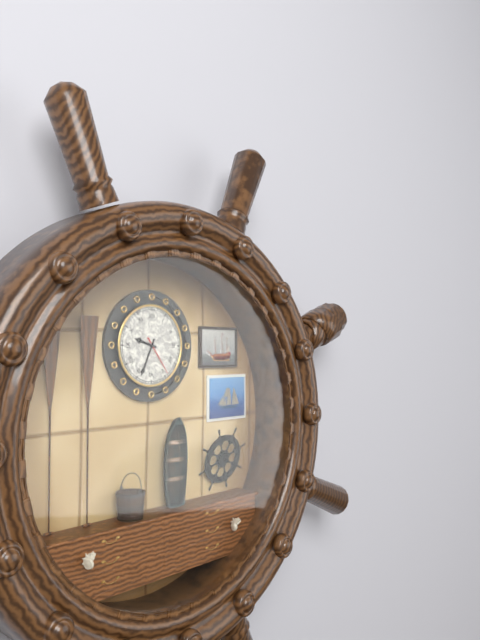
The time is 9,34
